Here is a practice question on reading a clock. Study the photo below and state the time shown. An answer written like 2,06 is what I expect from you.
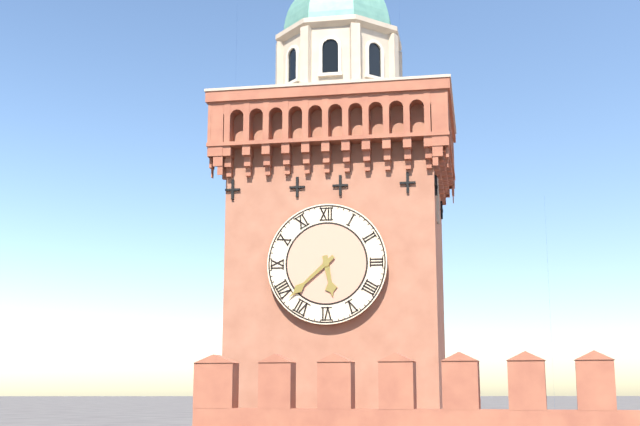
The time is 5,38
